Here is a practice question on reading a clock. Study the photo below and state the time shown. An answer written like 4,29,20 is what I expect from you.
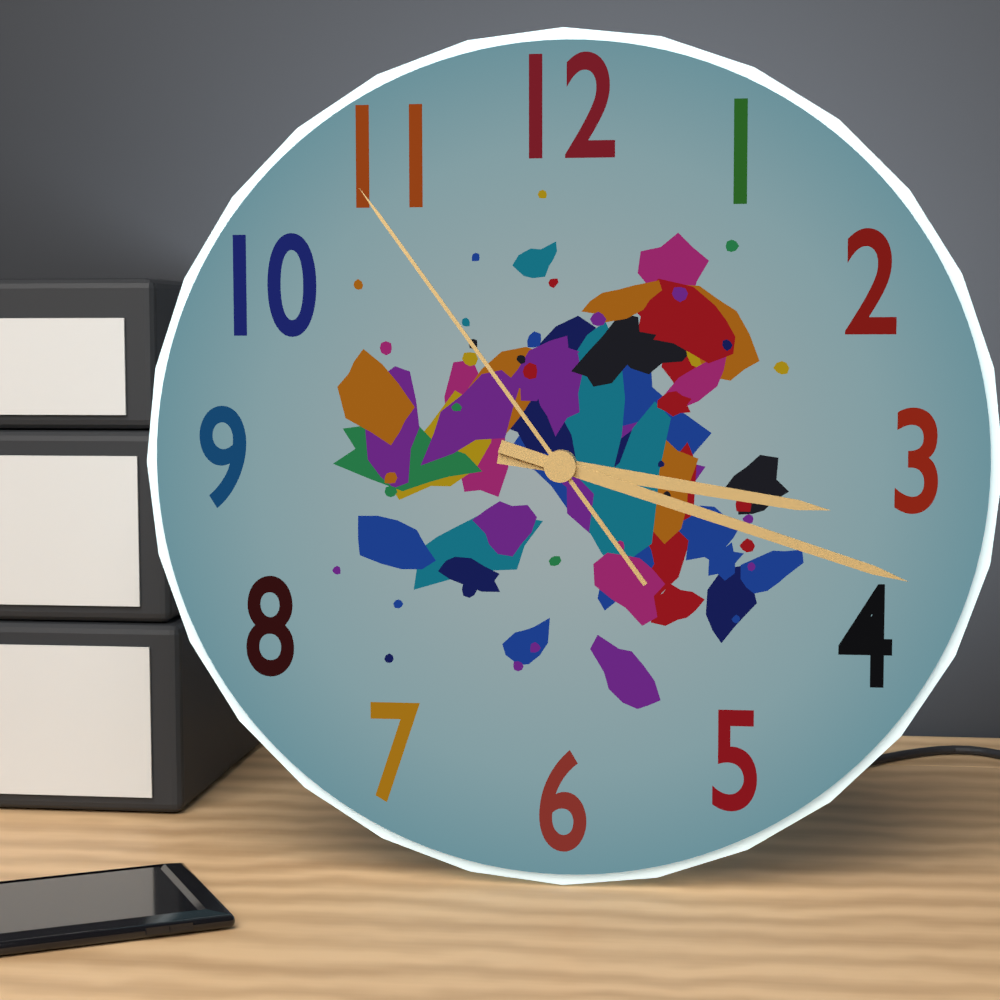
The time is 3,18,54
